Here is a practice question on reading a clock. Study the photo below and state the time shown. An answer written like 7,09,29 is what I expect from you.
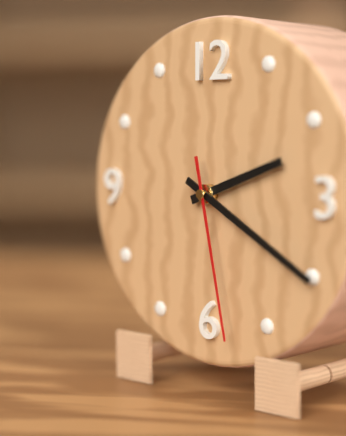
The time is 2,20,28
